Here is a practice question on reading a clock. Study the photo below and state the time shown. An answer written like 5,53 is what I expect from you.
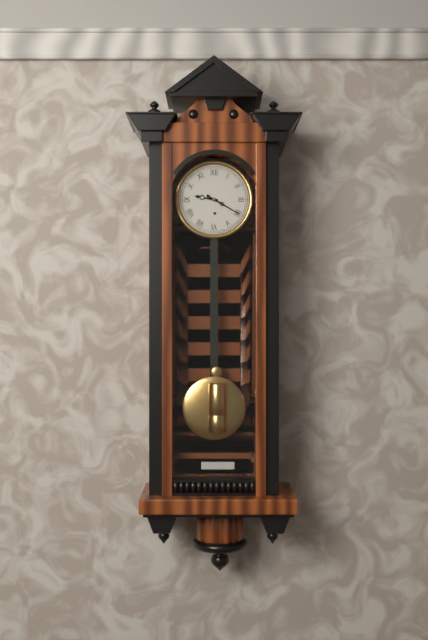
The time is 9,20
